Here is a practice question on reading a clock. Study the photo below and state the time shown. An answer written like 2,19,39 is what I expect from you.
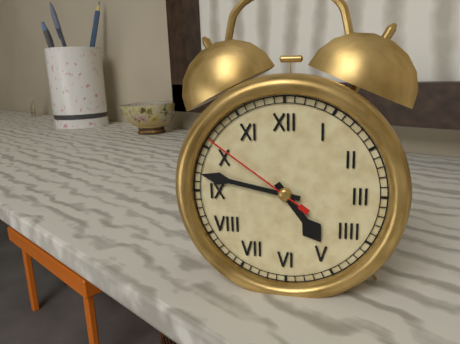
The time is 4,47,51
